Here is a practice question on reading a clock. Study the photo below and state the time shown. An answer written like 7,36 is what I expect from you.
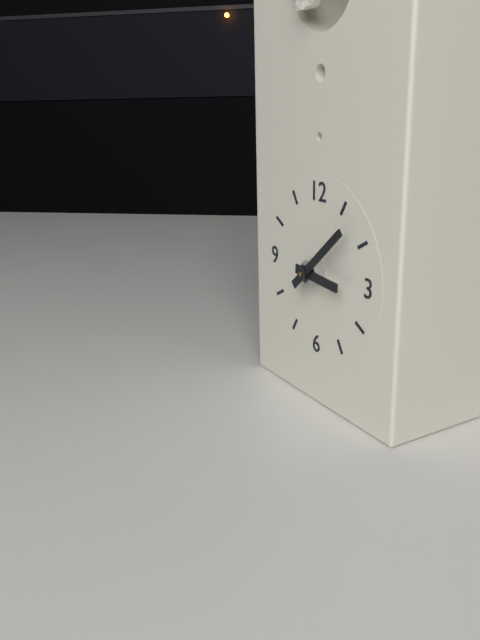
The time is 3,08
